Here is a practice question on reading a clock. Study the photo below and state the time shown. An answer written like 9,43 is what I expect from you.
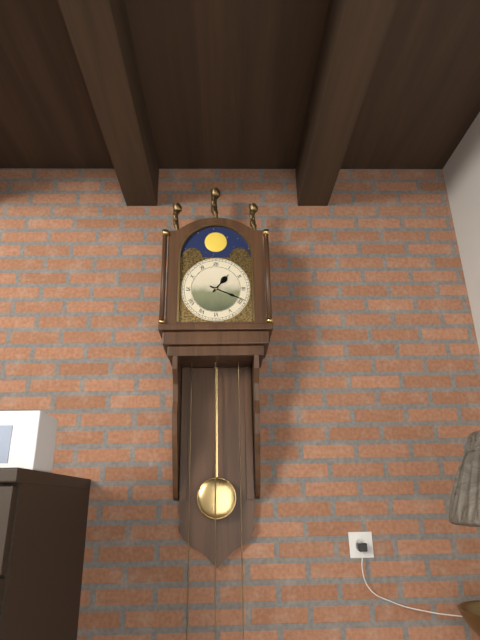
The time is 1,19
